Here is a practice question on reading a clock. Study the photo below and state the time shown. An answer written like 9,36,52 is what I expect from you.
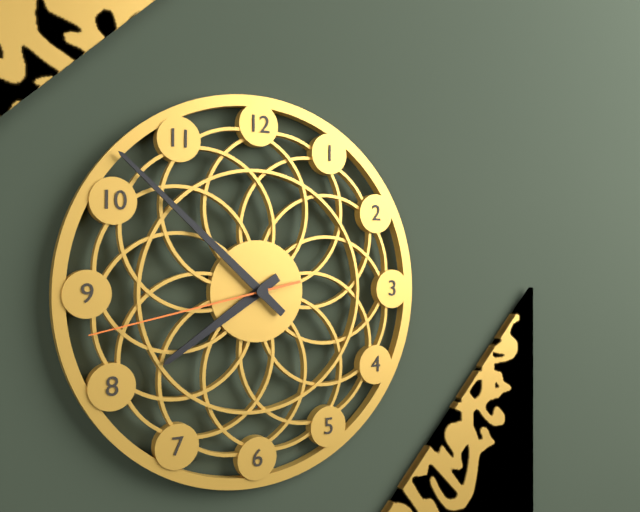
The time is 7,52,43
